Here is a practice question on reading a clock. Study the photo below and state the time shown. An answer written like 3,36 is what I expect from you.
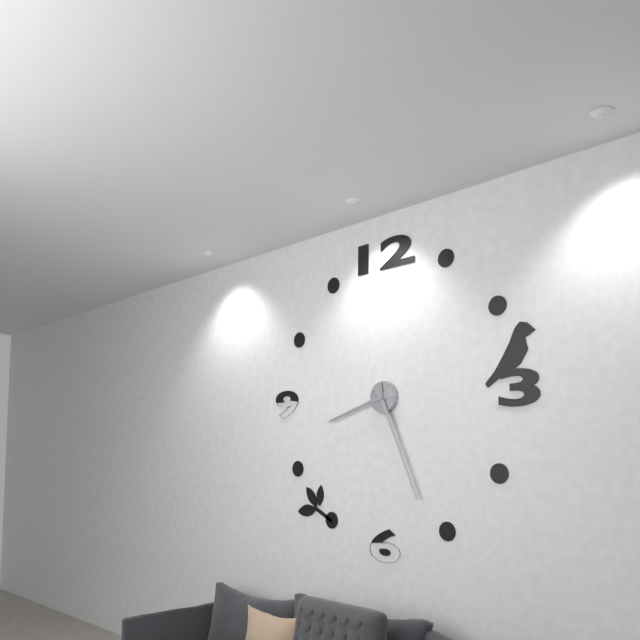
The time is 8,26
